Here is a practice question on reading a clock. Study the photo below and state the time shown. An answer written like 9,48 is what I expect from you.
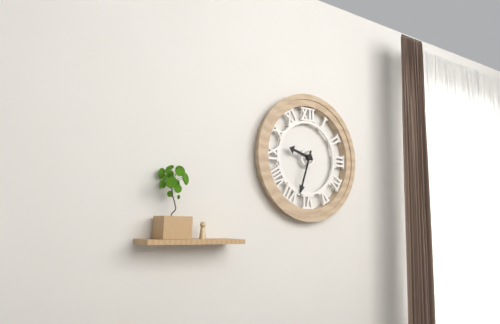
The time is 9,33
